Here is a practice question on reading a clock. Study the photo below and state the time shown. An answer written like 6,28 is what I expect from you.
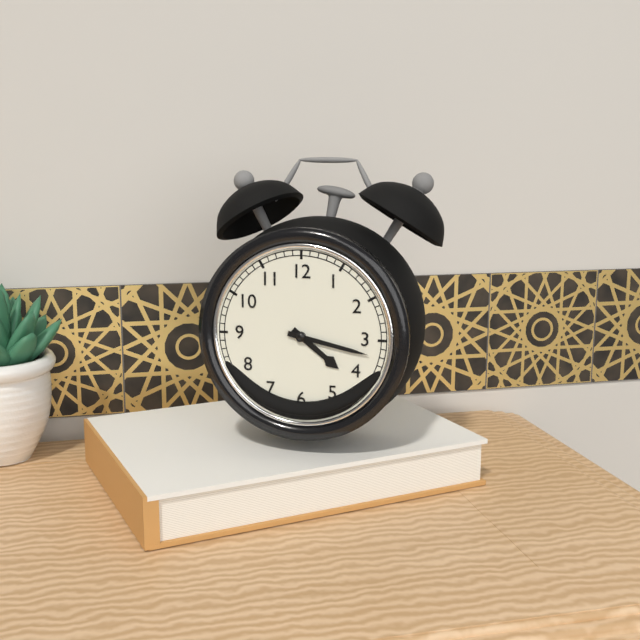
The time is 4,17
